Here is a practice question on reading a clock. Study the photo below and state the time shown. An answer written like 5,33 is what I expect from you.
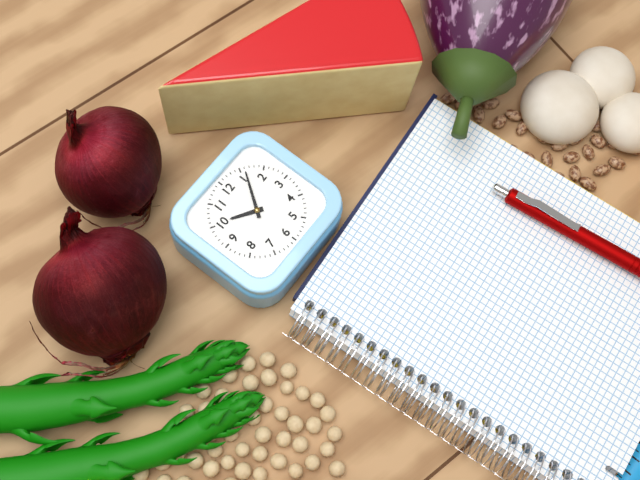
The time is 10,06
